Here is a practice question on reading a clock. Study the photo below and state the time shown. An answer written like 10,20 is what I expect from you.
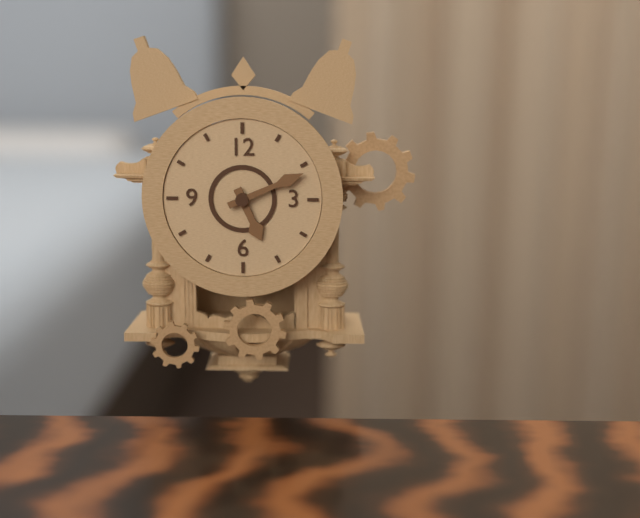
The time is 5,11
